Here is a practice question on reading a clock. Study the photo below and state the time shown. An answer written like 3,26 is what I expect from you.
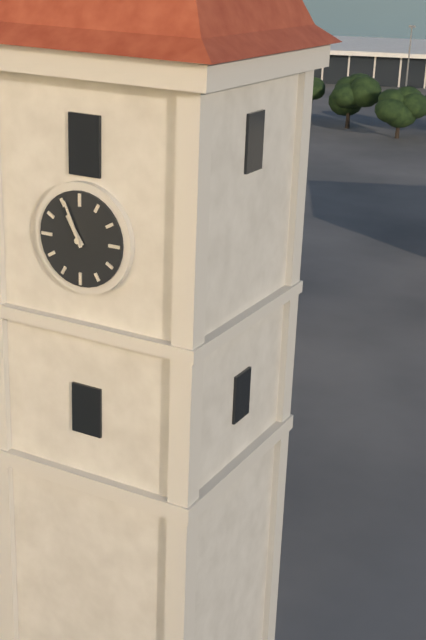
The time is 10,56
